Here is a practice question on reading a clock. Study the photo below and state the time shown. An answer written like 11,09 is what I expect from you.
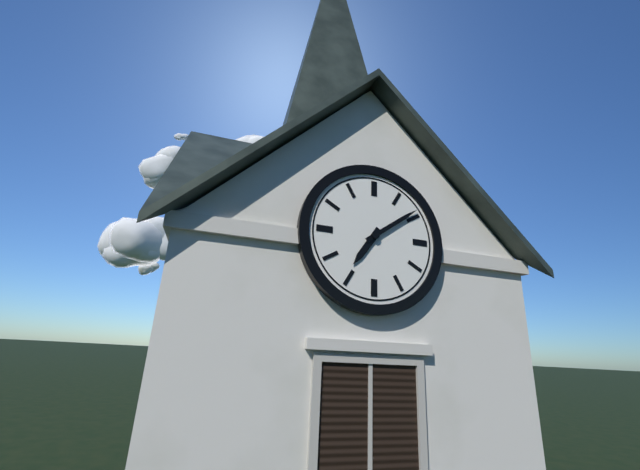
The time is 7,09
